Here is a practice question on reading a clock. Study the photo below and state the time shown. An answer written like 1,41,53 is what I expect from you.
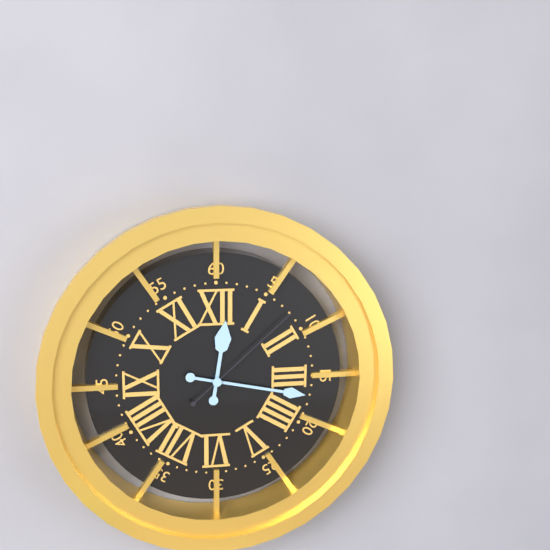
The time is 12,17,08
